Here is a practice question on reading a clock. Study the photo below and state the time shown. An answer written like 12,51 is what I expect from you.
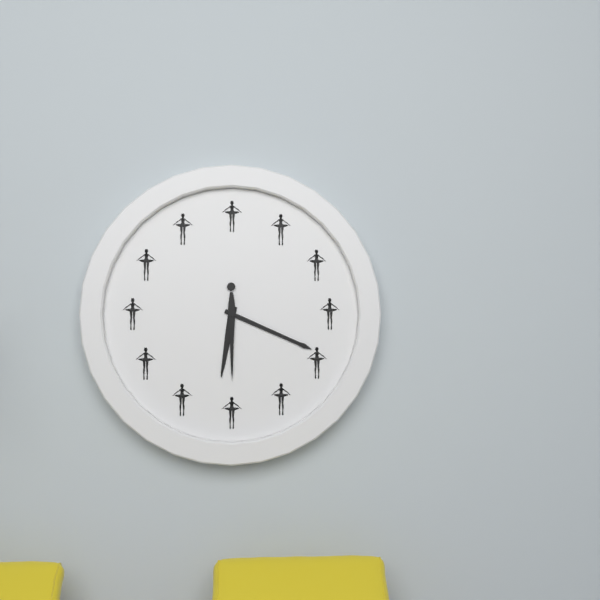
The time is 6,19
